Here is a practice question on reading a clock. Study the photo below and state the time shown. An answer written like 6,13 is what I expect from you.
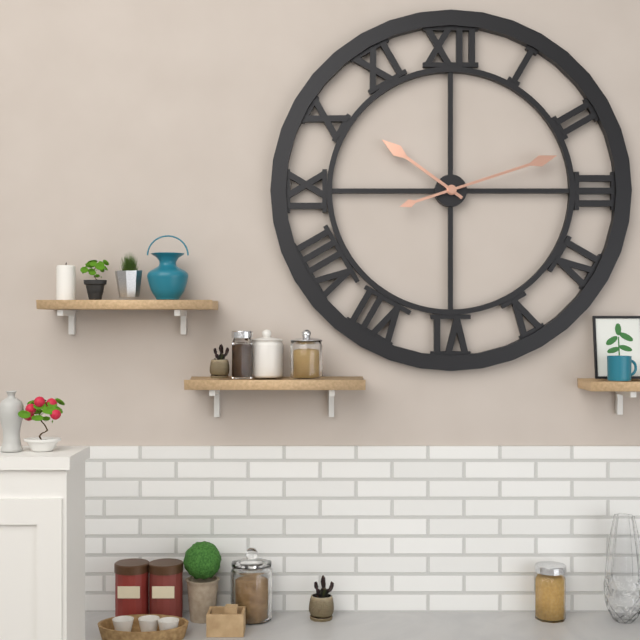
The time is 10,12
